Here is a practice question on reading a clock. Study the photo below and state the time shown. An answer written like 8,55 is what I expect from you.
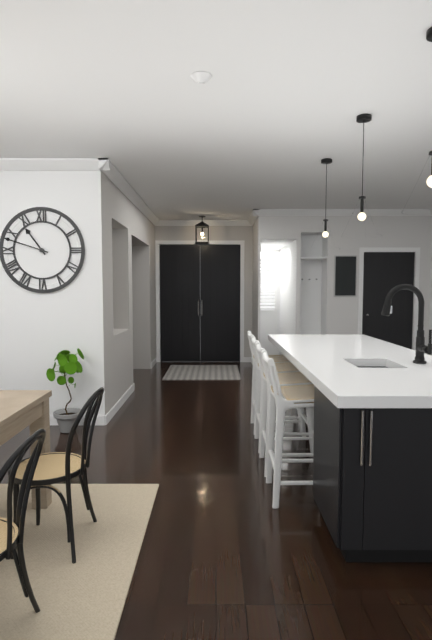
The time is 10,48
